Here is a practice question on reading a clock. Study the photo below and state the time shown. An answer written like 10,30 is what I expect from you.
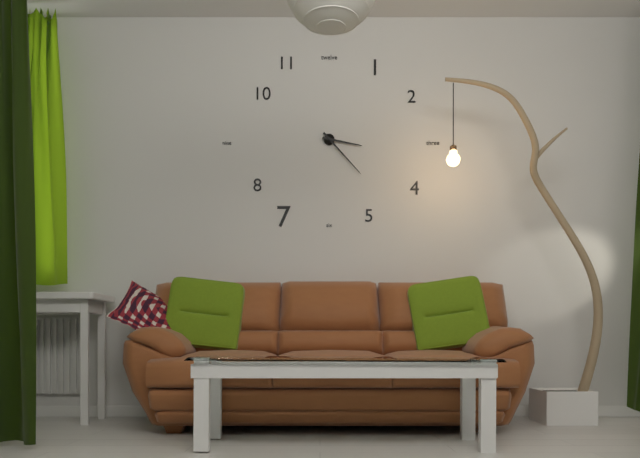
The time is 3,23
